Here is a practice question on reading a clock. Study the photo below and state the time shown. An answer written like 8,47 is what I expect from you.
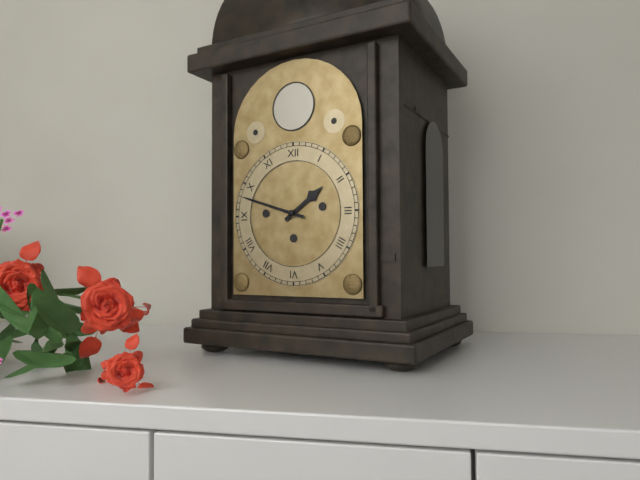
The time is 1,48
